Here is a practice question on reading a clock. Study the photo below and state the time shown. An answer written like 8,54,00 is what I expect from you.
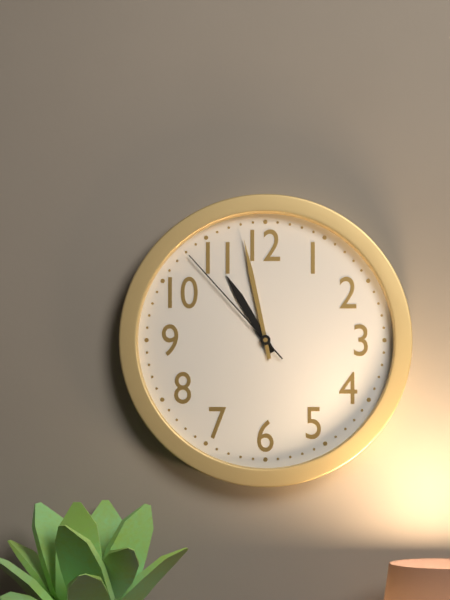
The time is 10,58,53
